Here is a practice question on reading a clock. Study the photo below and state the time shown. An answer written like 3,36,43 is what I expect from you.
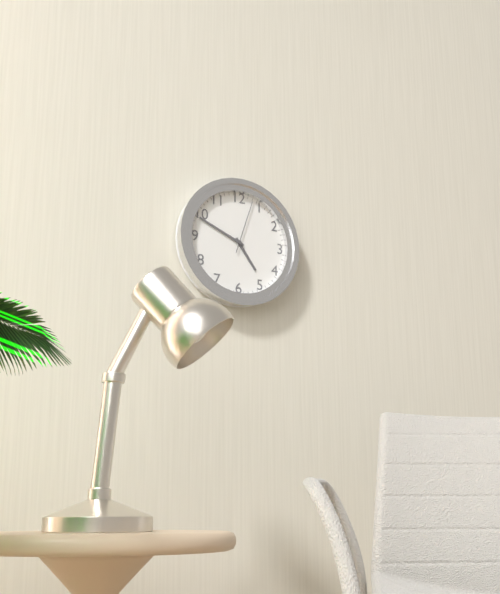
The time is 4,49,03
